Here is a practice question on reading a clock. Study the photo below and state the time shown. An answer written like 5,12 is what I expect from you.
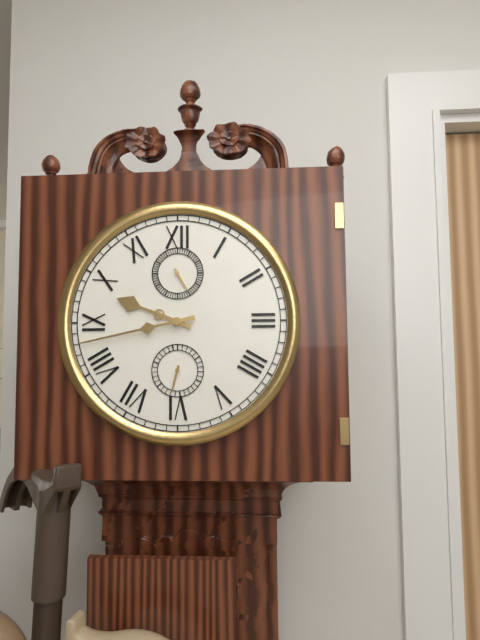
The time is 9,43
